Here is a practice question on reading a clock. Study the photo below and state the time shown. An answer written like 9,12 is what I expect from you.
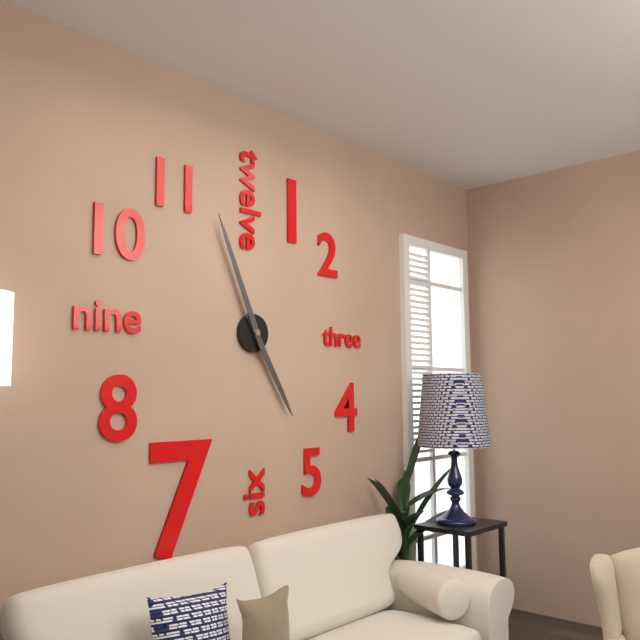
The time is 4,56
